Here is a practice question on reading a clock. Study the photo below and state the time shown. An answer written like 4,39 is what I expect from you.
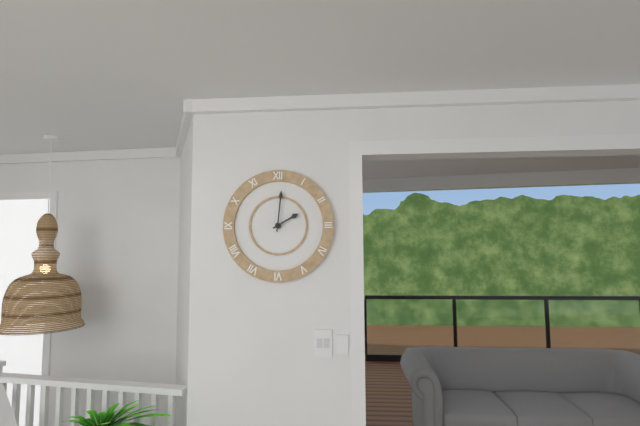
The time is 2,01
